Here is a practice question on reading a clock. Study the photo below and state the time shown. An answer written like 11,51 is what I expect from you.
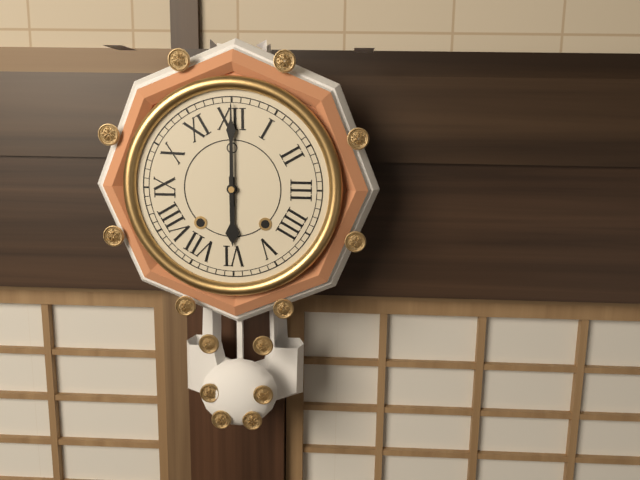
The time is 6,00
